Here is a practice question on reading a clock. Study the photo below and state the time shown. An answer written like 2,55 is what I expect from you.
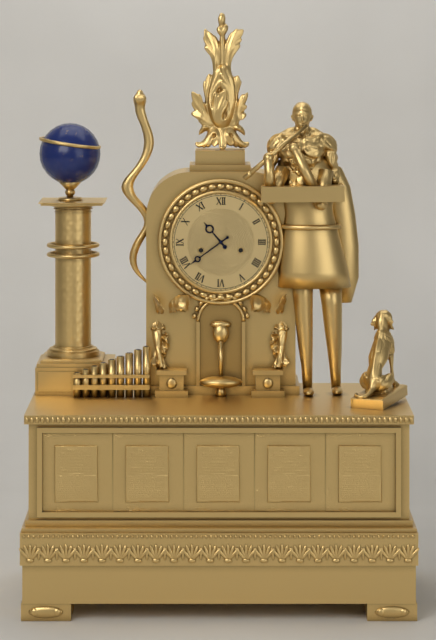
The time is 10,39
